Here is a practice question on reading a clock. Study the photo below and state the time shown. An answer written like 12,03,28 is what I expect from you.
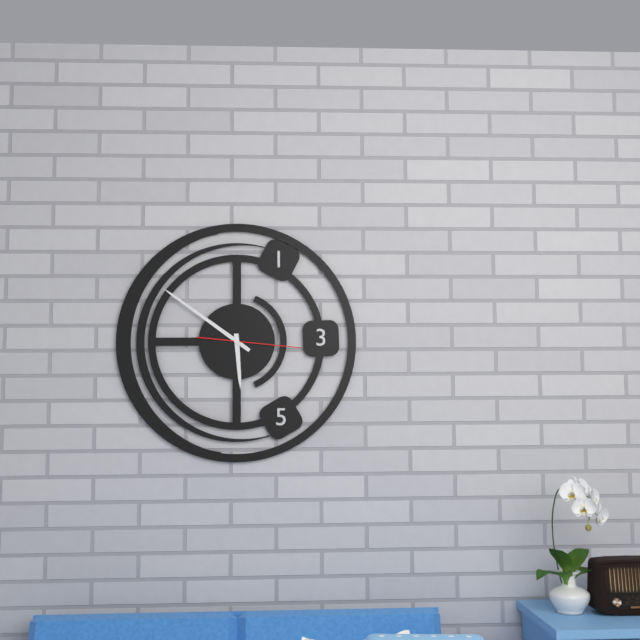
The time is 5,51,16
